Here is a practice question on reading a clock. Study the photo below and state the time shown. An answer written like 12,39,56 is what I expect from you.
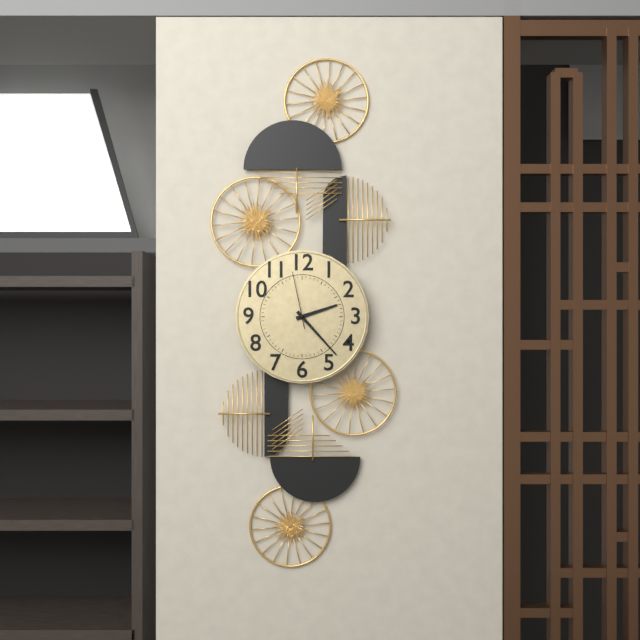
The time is 2,23,58
